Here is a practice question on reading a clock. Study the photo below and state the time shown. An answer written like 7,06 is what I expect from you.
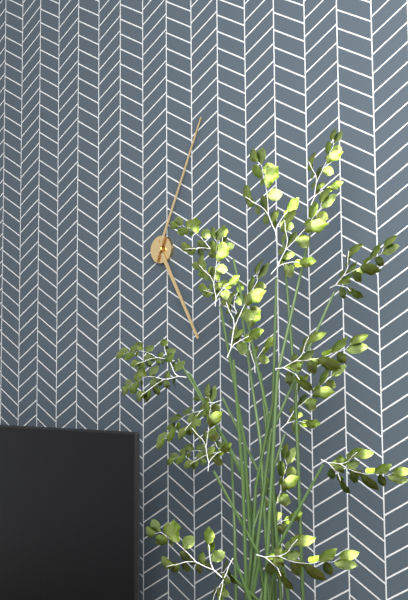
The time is 5,04
